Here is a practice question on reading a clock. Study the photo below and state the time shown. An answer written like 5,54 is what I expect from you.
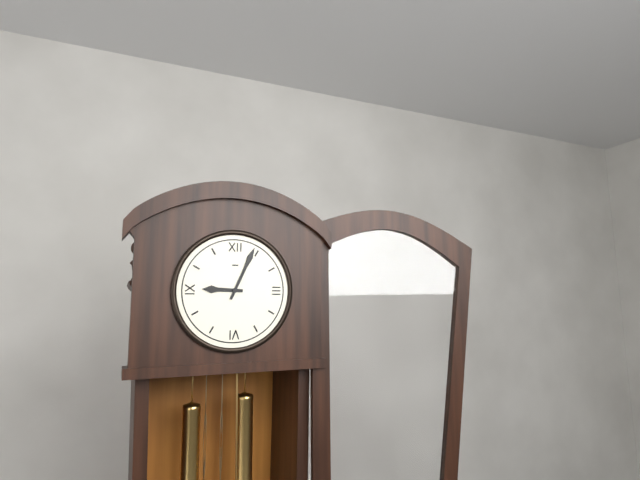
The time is 9,04
